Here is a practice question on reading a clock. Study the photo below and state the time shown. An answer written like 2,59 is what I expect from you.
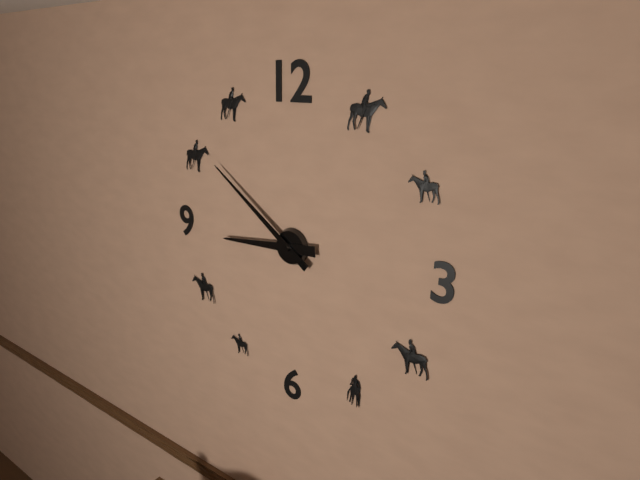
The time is 8,51
